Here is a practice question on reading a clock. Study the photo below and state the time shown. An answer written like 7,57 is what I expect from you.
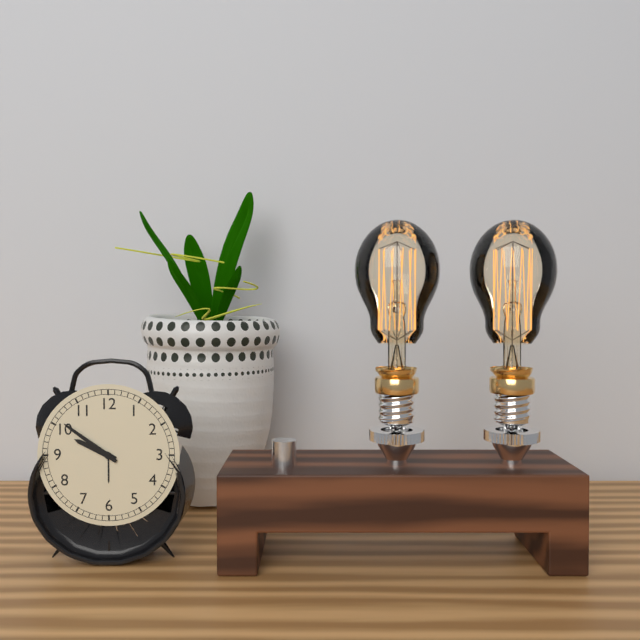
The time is 9,51
